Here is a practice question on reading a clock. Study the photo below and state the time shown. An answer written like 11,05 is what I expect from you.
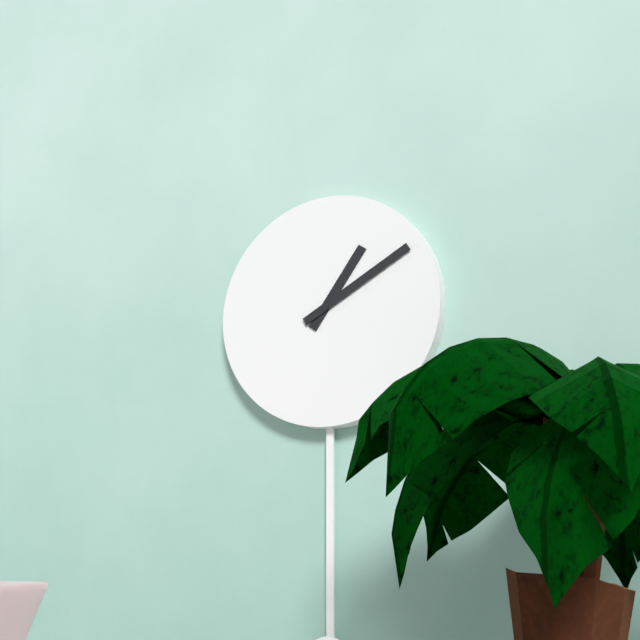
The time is 1,10
